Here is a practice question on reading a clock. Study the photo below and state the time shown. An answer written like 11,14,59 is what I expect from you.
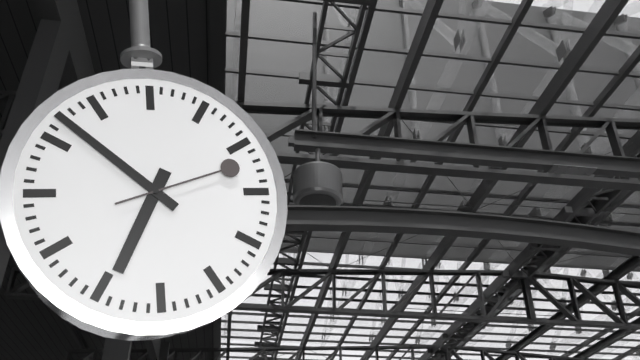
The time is 6,52,12
